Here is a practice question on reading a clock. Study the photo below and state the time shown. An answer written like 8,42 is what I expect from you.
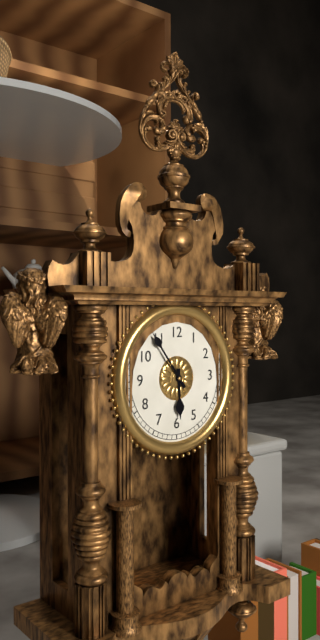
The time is 5,54
